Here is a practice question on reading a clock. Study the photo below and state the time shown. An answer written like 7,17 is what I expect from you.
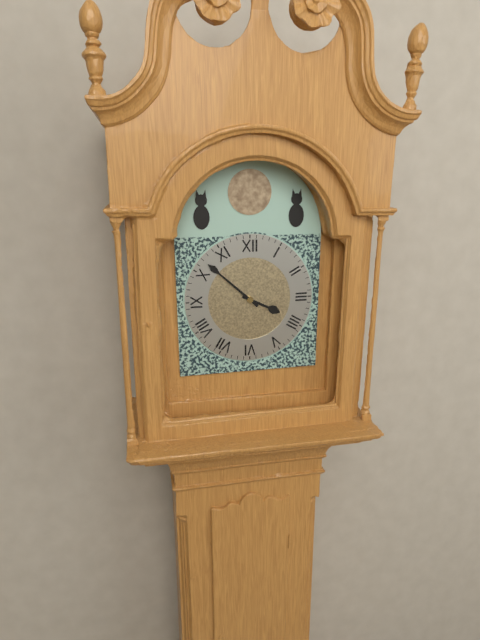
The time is 3,52
